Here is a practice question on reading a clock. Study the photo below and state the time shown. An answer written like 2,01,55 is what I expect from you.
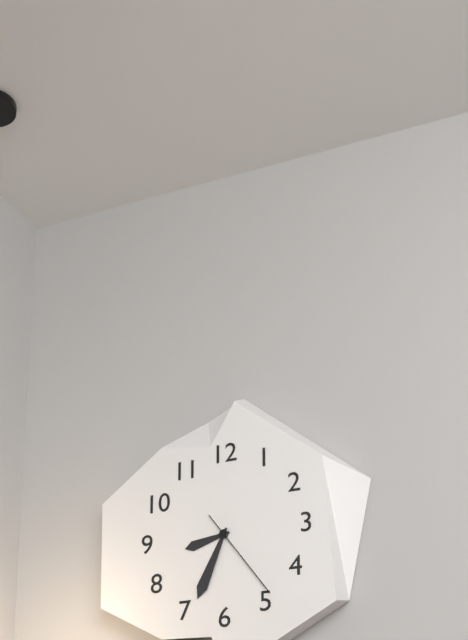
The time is 8,34,24
